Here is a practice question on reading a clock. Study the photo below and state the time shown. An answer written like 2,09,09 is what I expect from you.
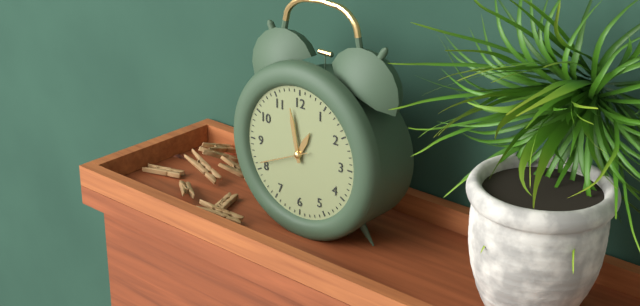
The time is 12,58,41
